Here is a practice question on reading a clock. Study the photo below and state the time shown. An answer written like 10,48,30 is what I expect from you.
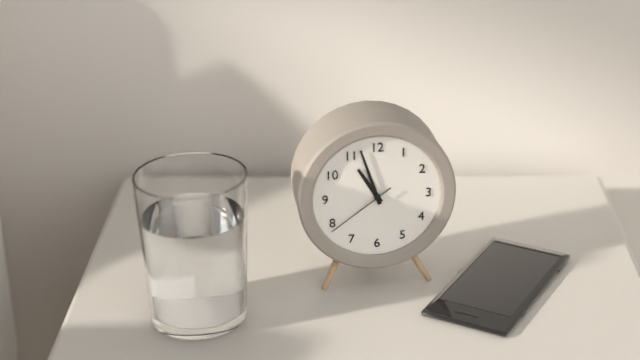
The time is 10,57,39
